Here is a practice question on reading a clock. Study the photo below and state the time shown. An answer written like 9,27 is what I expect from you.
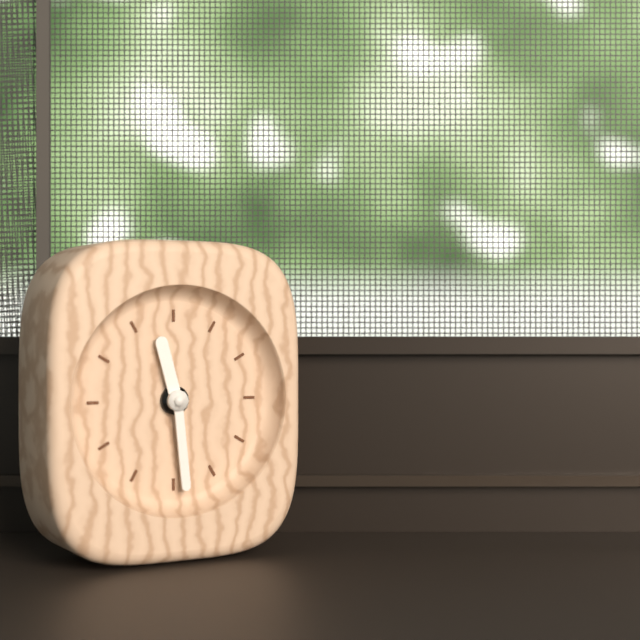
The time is 11,29
